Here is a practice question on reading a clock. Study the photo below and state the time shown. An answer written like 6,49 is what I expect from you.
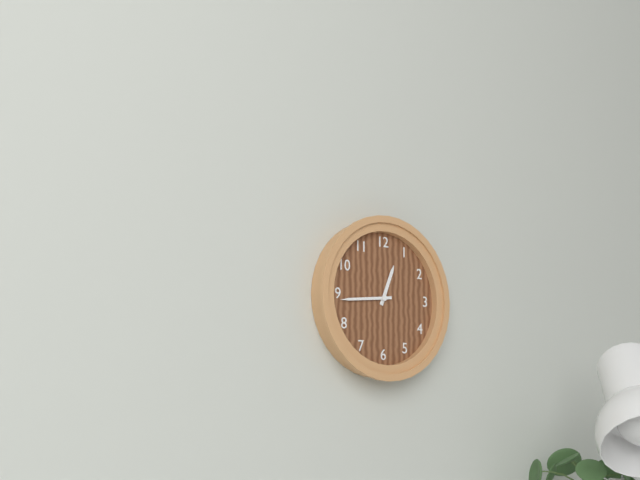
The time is 12,44
